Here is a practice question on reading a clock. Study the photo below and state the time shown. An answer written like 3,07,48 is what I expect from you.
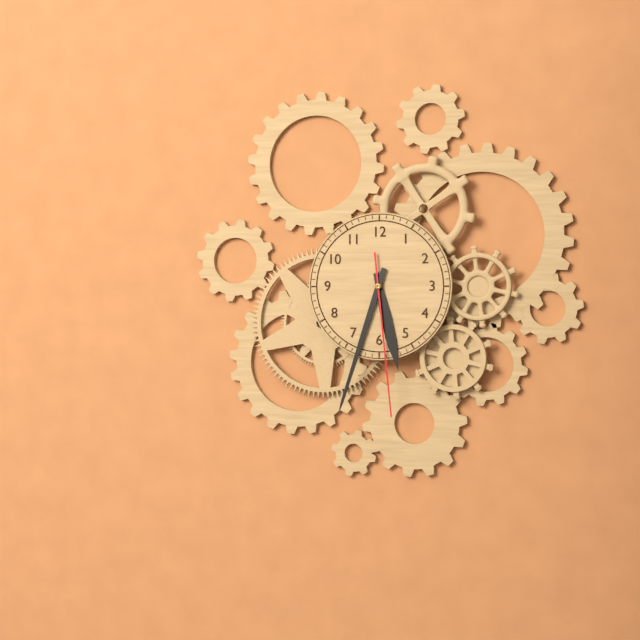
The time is 5,33,29
